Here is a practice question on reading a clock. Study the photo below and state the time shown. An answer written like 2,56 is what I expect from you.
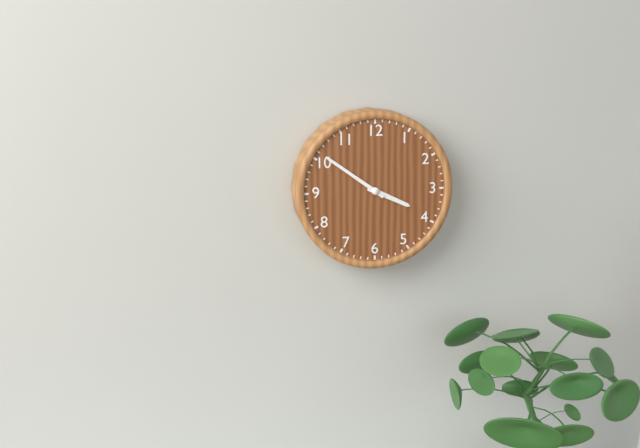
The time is 3,51
